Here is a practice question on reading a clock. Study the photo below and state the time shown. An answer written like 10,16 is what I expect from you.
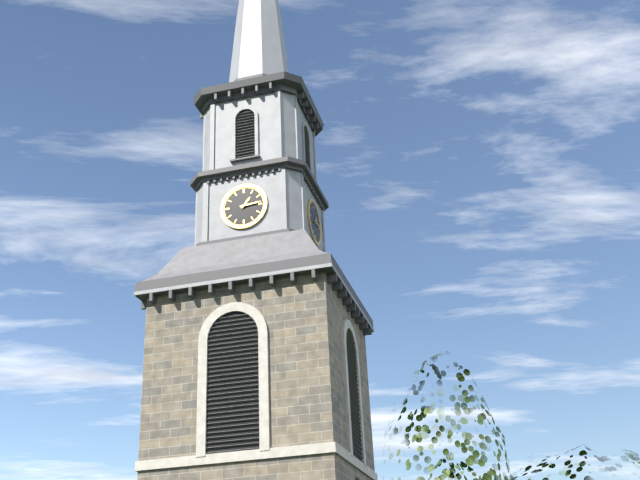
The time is 1,14
